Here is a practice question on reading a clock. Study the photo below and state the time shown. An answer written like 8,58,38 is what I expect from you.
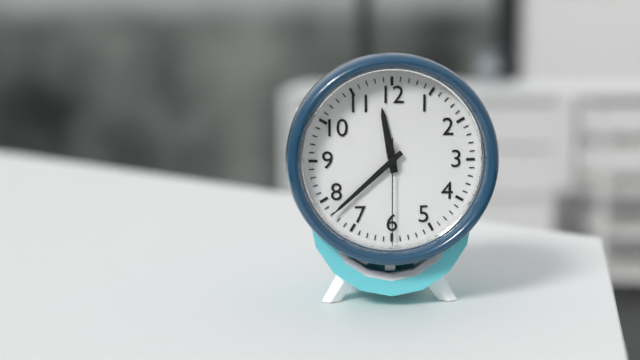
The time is 11,38,30
